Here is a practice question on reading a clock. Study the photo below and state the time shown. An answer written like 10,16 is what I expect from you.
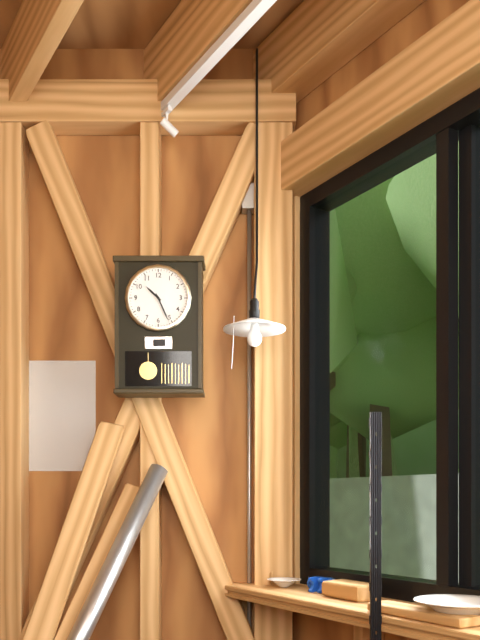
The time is 10,26
